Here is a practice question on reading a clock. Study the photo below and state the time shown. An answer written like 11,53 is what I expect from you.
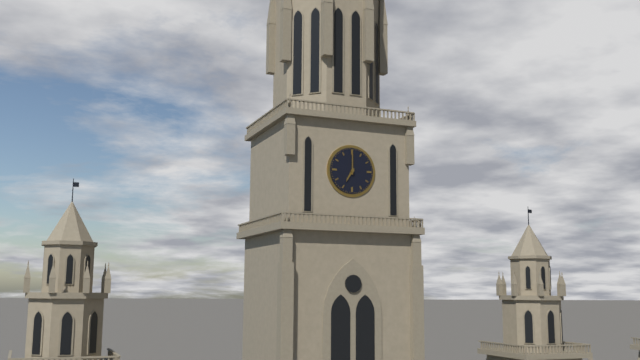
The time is 7,00
